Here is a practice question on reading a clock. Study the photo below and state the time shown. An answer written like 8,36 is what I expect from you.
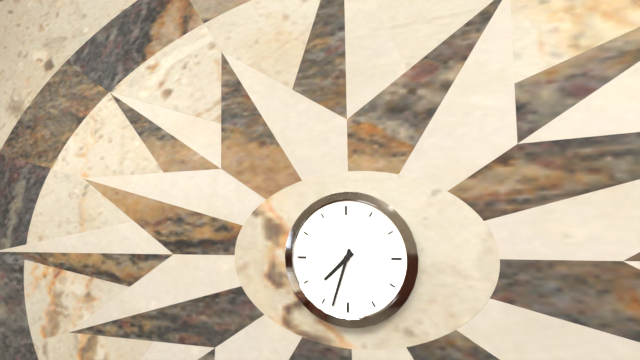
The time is 7,33
